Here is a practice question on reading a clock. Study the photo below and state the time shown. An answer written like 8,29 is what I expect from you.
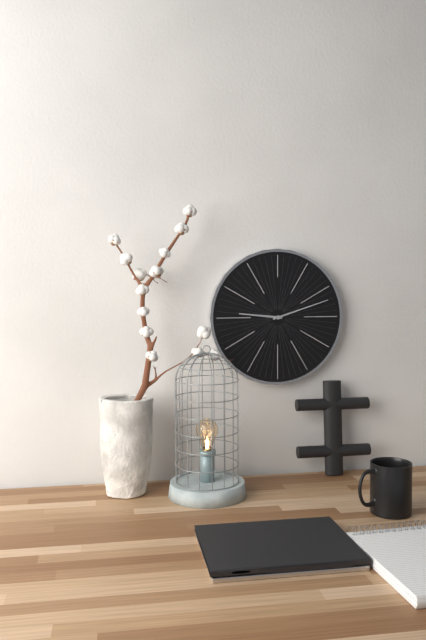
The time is 9,12
